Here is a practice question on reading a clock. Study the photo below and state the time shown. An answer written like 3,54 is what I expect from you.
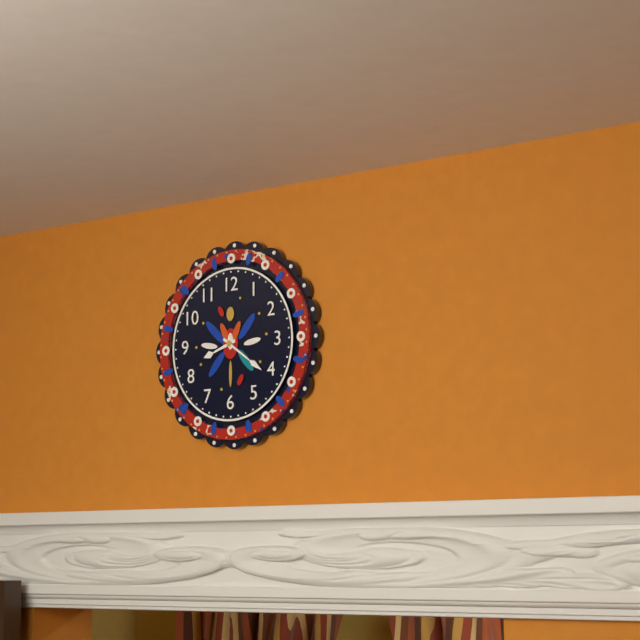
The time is 8,21
